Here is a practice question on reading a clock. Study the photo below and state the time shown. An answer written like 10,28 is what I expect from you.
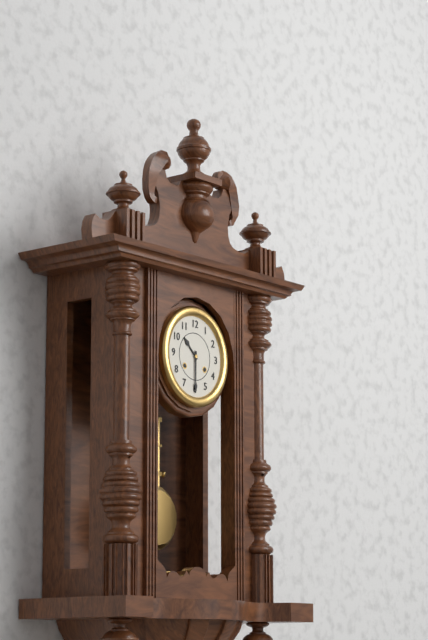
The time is 10,30
